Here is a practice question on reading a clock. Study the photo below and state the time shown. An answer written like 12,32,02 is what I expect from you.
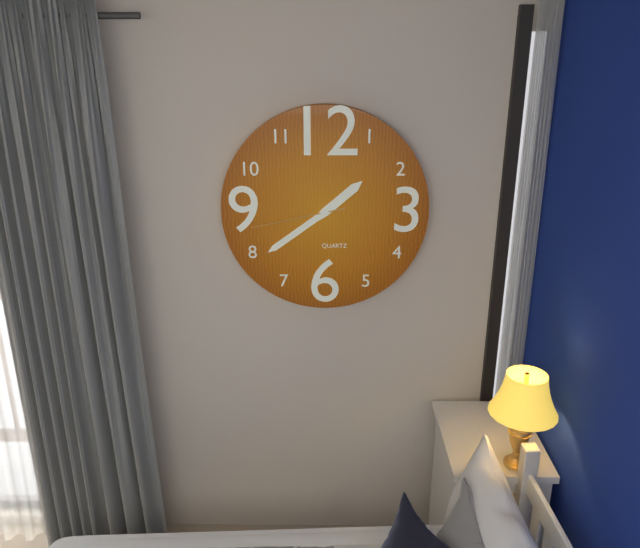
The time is 1,39,43
